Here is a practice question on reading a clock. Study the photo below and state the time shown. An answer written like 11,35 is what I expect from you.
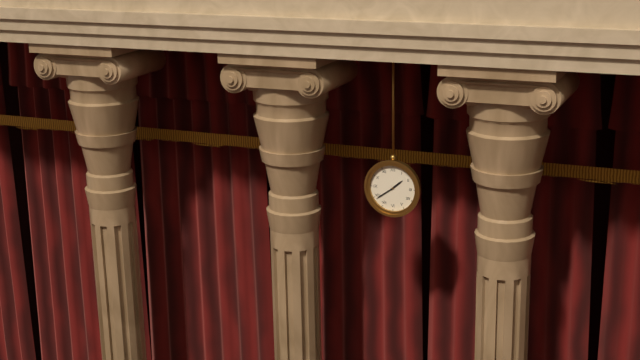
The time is 1,39
